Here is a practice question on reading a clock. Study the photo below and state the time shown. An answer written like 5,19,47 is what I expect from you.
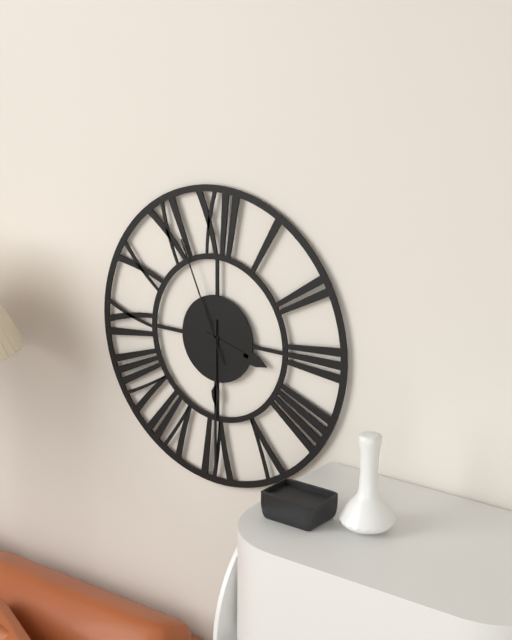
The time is 3,30,56
